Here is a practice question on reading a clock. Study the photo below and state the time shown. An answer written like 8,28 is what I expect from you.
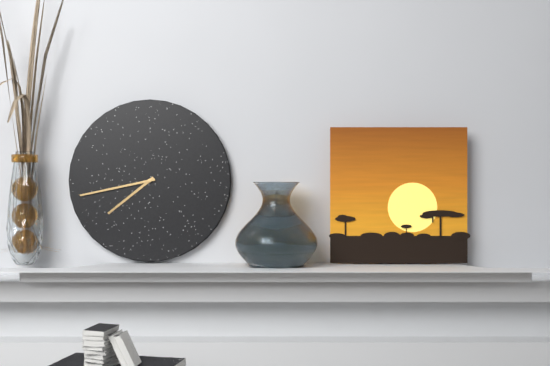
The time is 7,43
